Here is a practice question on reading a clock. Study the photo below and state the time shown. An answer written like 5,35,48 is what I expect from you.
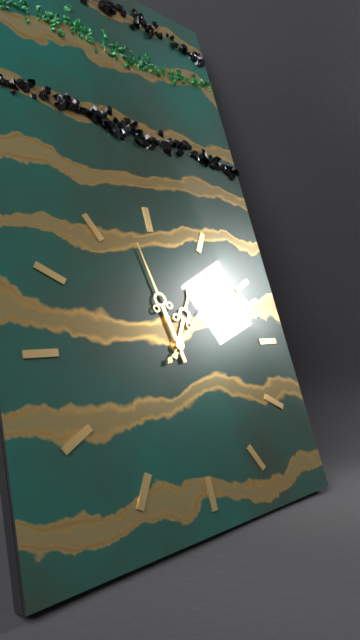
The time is 12,58,08
